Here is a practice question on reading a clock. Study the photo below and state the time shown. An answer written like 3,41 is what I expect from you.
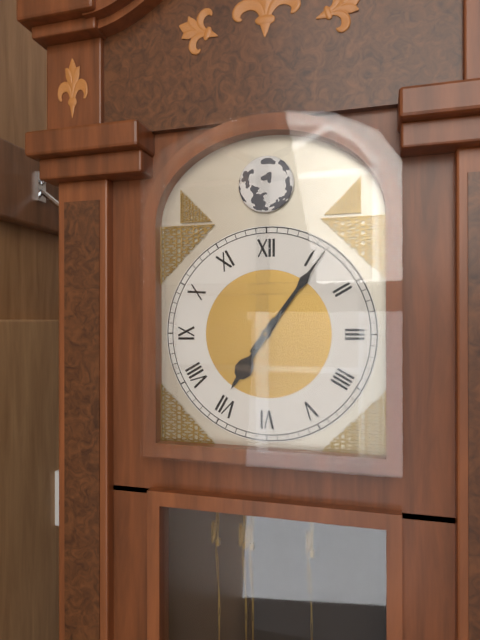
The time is 7,06
